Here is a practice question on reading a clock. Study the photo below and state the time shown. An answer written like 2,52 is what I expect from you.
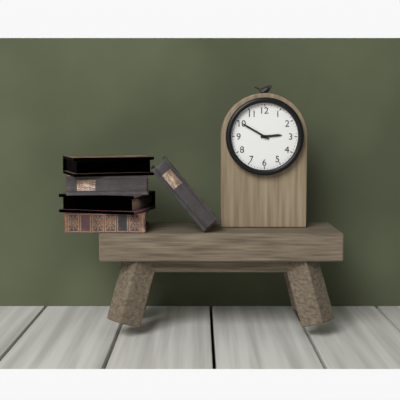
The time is 2,50
